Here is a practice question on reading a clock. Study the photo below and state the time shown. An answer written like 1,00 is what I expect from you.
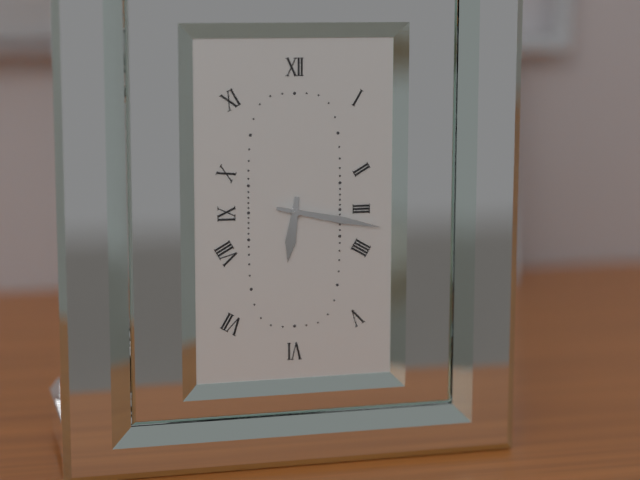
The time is 6,17
